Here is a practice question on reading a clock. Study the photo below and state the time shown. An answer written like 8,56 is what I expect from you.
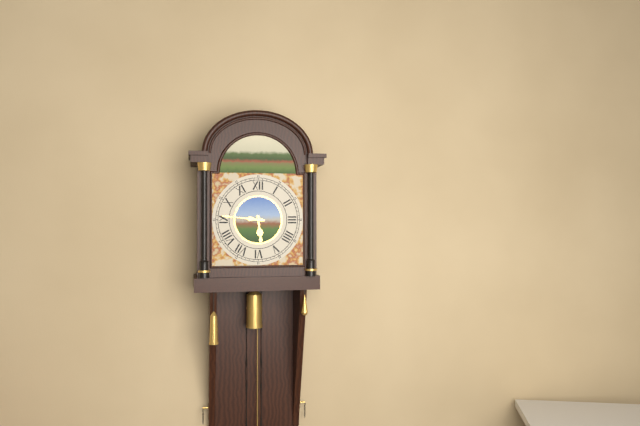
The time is 5,46
